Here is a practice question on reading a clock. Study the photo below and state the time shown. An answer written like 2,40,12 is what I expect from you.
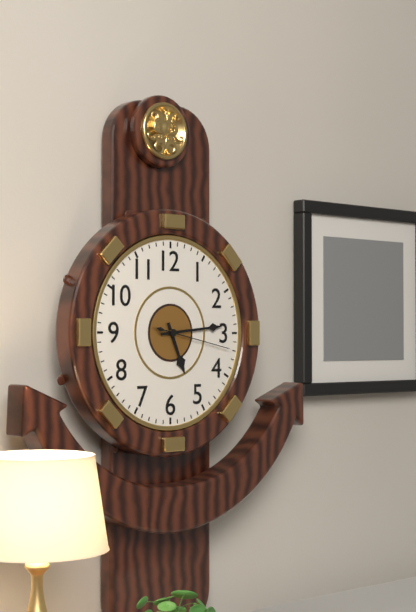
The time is 5,14,17
